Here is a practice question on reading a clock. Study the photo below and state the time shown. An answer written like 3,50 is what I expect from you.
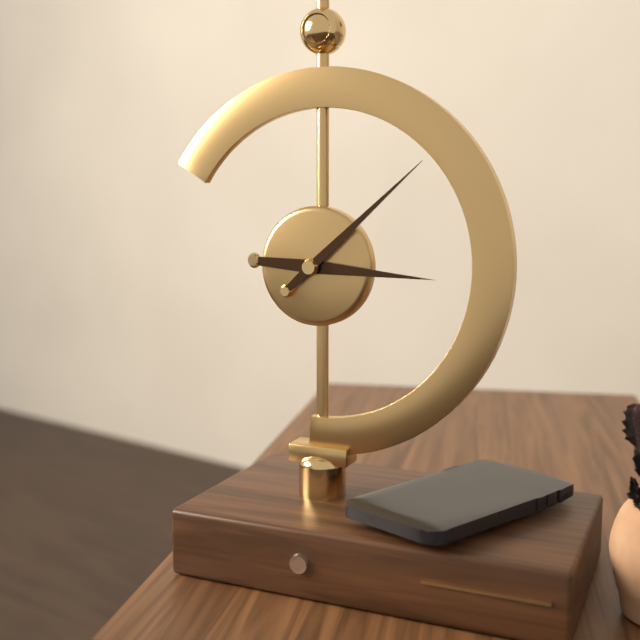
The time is 3,08
